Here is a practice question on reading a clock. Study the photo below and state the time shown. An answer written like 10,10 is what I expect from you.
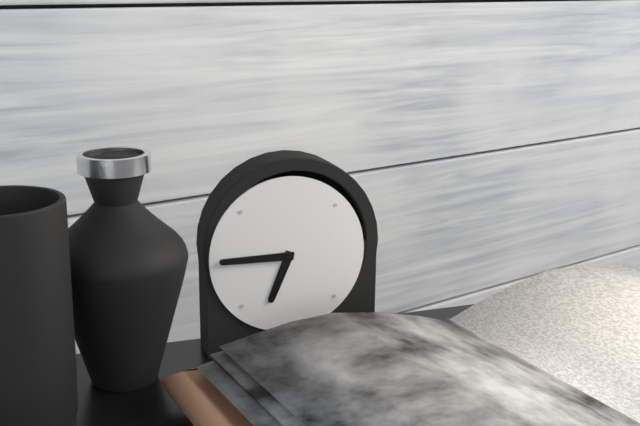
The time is 6,45
